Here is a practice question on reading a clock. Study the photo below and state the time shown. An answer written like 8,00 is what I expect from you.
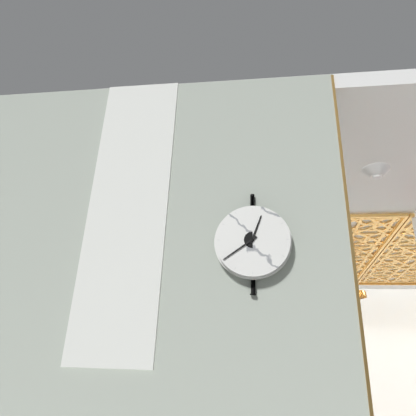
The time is 12,39
